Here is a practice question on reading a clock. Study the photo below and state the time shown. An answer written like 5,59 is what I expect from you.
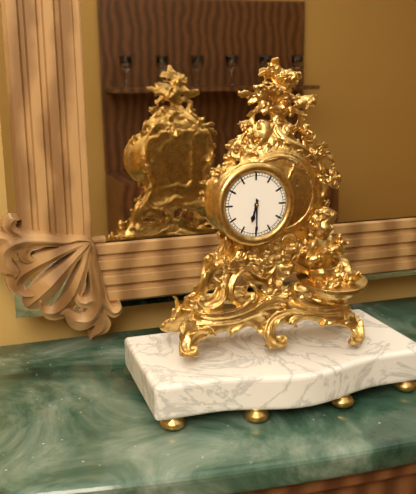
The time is 6,30
